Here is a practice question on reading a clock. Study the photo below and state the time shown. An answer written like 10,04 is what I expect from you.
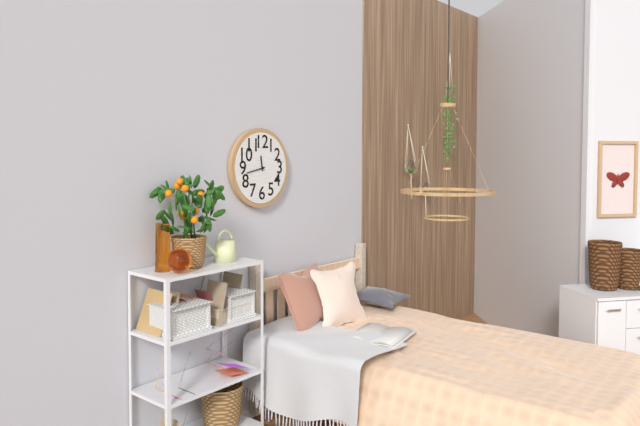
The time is 11,43
